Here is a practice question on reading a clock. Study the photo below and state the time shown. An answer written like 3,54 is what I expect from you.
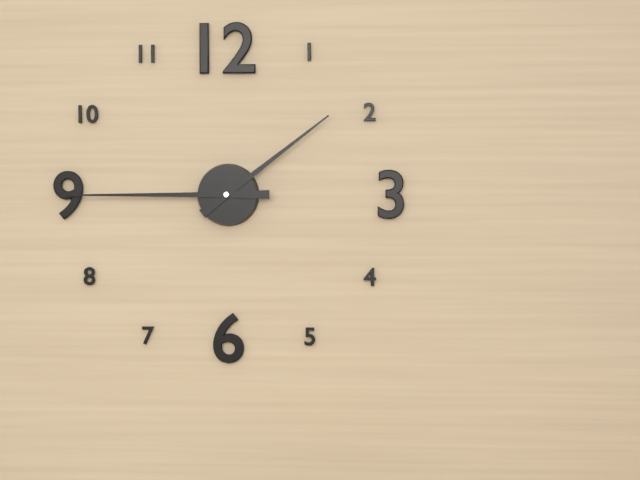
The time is 1,45
